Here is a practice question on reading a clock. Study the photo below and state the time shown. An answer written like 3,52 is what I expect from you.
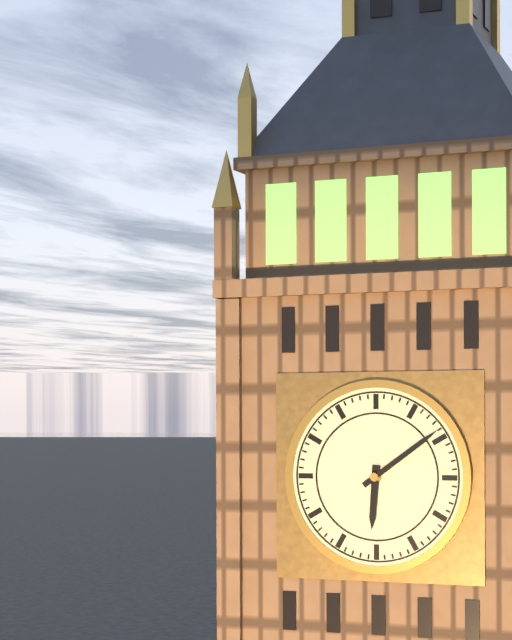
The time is 6,09
